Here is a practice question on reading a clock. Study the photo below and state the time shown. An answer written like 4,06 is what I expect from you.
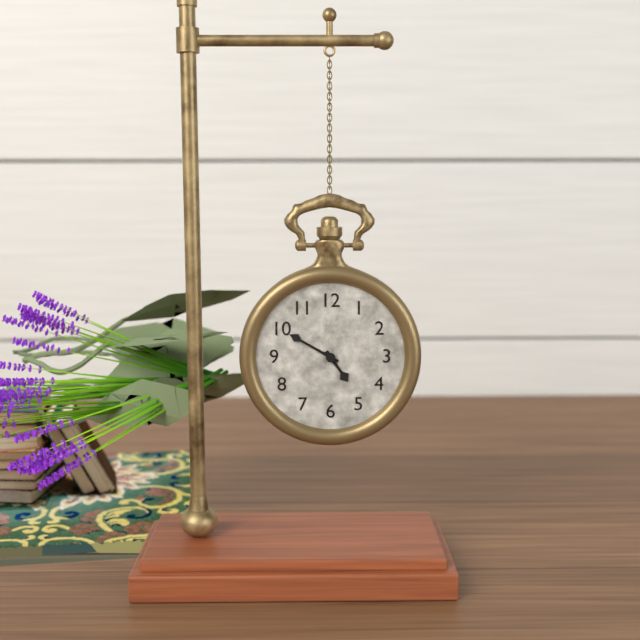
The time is 4,50
